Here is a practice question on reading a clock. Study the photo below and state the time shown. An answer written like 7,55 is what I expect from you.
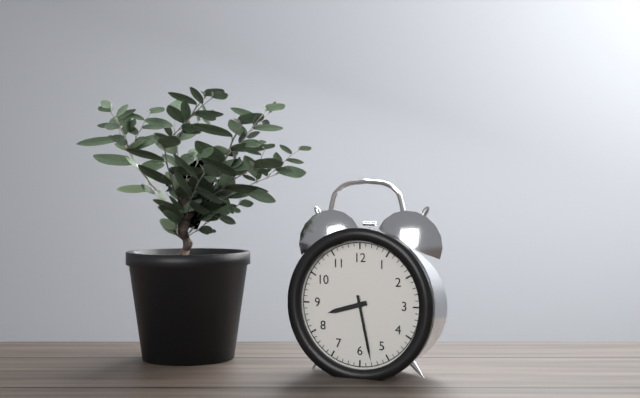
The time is 8,28
